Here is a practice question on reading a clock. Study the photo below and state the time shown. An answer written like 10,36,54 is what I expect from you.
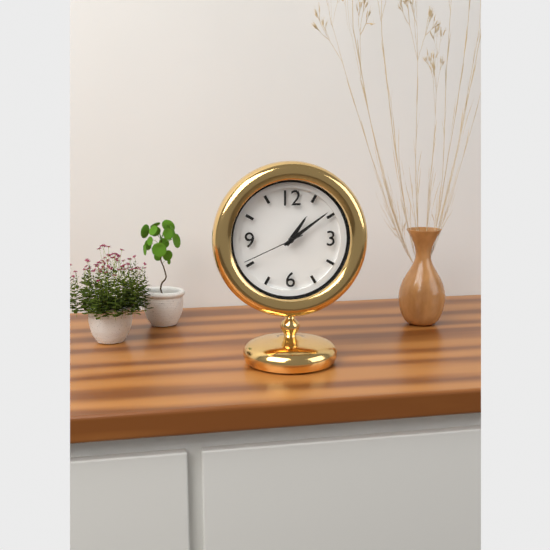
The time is 1,09,41
